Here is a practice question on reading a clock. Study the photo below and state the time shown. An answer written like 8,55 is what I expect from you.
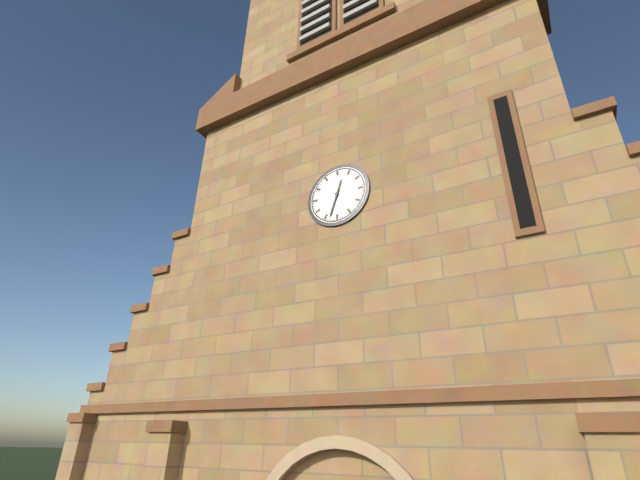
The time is 12,33
